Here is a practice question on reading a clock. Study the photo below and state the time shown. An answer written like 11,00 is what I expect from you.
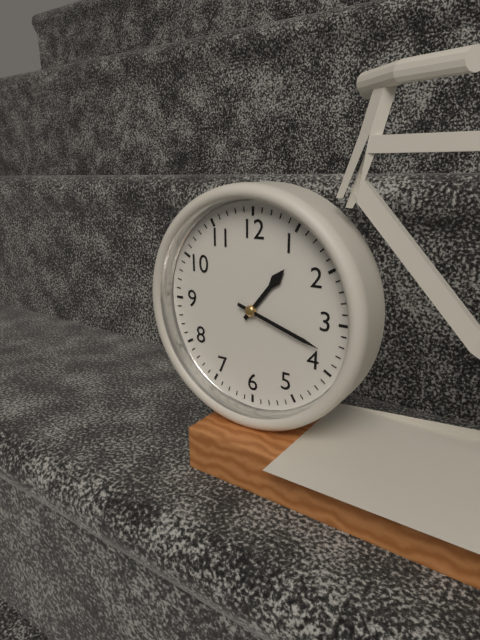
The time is 1,18
